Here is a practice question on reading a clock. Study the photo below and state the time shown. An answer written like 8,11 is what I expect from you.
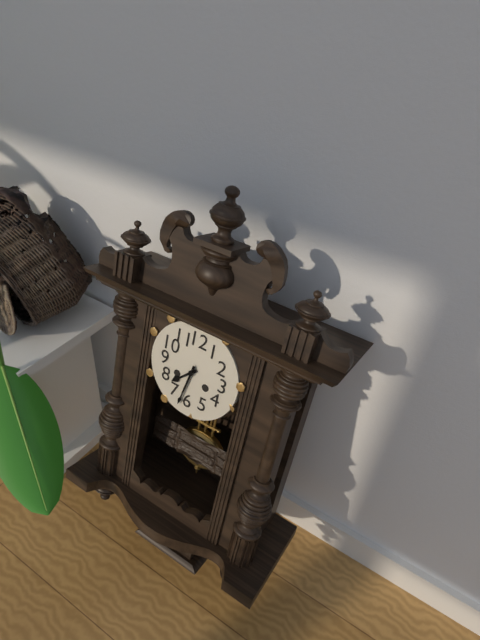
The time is 7,32
